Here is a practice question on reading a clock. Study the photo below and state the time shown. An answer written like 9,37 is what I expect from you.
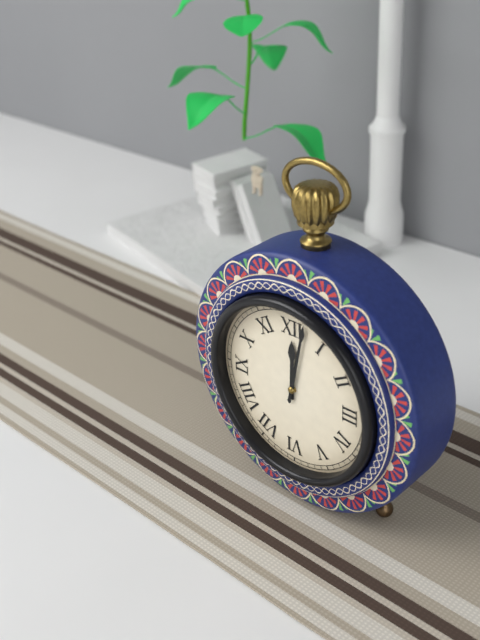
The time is 12,02
